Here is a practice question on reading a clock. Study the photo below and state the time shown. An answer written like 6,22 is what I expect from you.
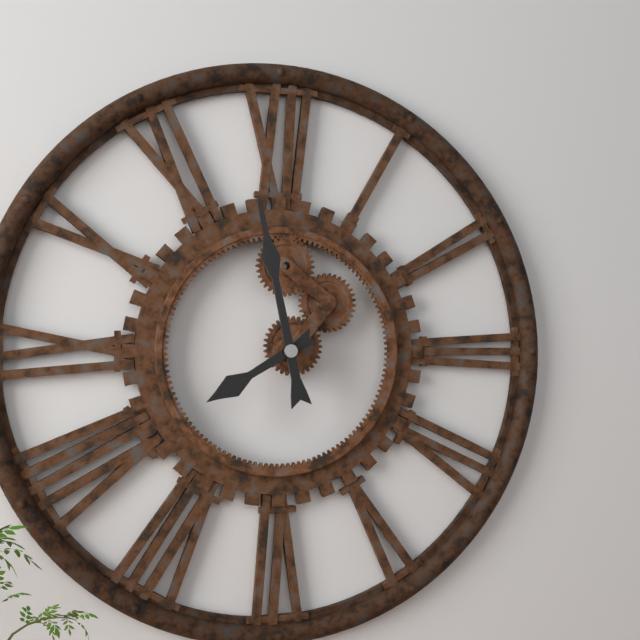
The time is 7,58
